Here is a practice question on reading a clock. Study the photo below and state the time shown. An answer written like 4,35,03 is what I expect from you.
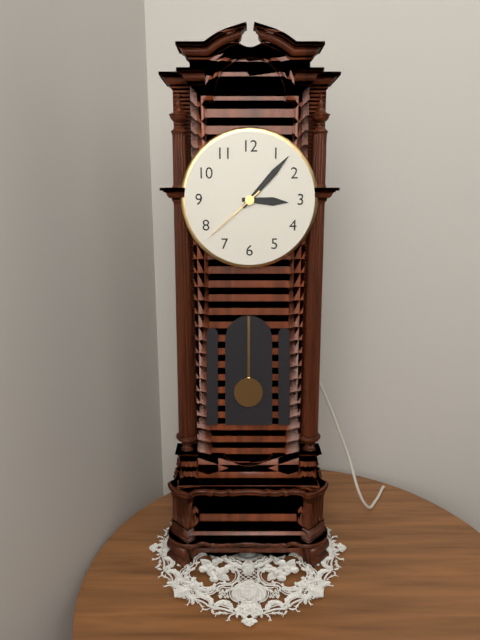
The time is 3,07,38
